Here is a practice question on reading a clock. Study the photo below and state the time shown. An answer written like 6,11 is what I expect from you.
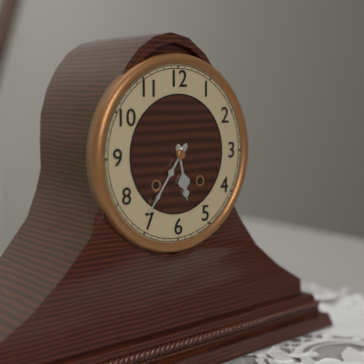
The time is 5,36
